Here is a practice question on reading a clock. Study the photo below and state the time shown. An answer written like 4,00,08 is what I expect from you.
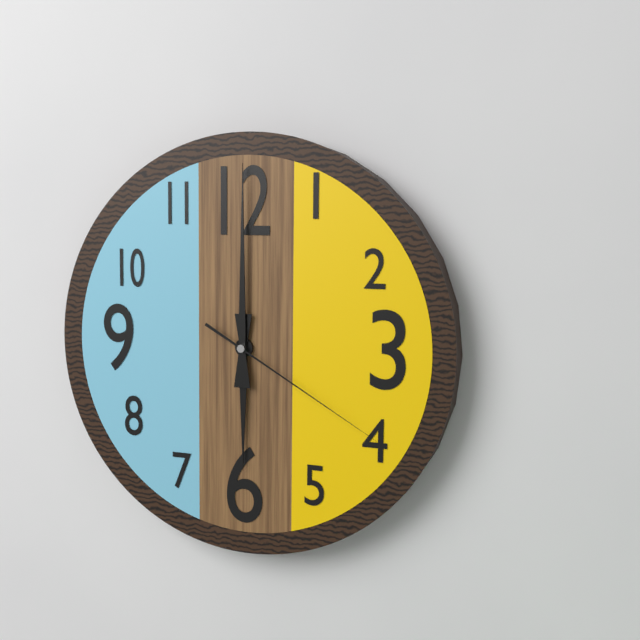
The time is 6,00,20
